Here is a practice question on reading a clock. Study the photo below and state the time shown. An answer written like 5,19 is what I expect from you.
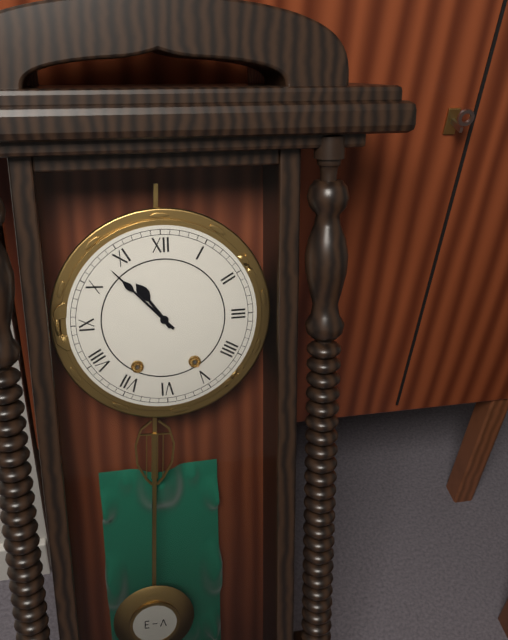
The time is 10,53
